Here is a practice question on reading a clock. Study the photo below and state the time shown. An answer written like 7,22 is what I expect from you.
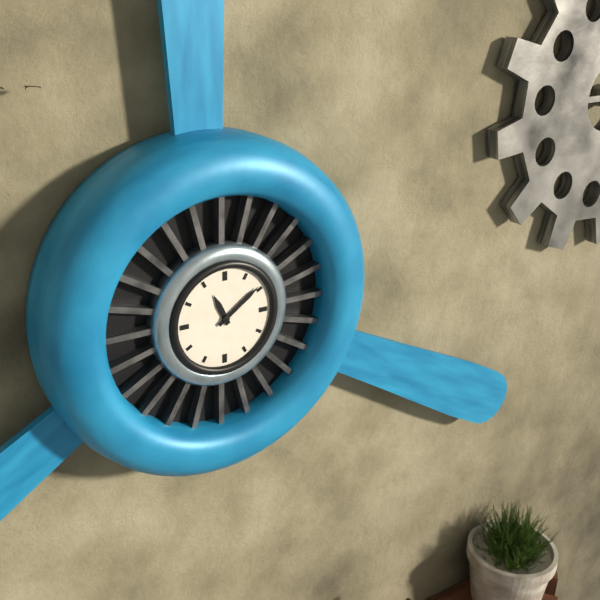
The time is 11,09
